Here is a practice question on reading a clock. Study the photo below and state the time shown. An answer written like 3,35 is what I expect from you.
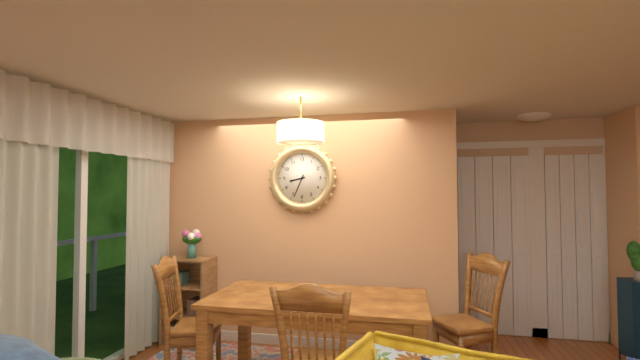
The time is 8,34
